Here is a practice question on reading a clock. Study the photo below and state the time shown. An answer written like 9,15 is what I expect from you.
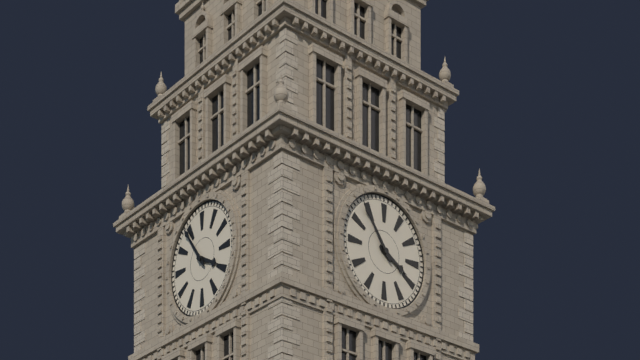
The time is 3,54
